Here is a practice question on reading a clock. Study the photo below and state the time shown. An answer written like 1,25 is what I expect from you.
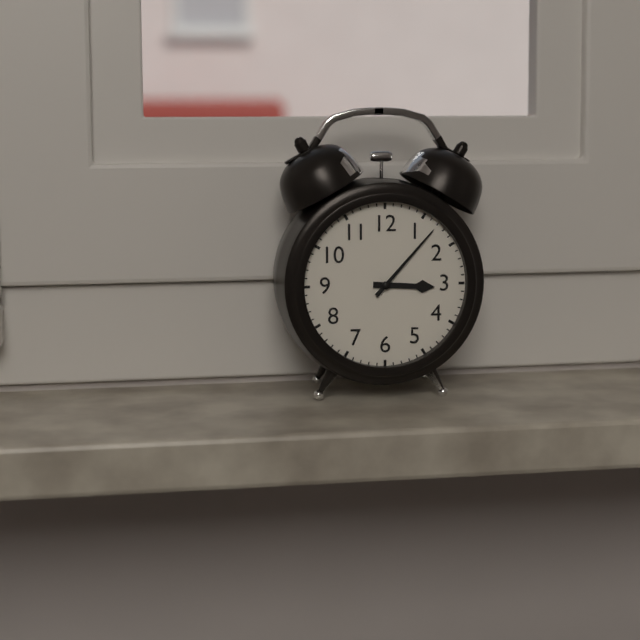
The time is 3,07
